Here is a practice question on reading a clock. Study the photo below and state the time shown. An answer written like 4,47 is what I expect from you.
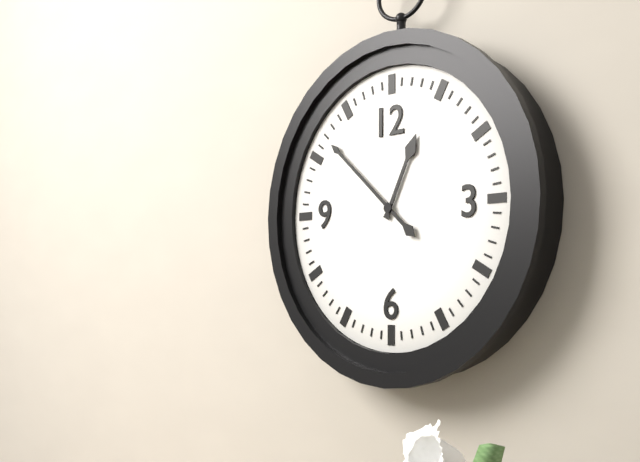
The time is 12,52
